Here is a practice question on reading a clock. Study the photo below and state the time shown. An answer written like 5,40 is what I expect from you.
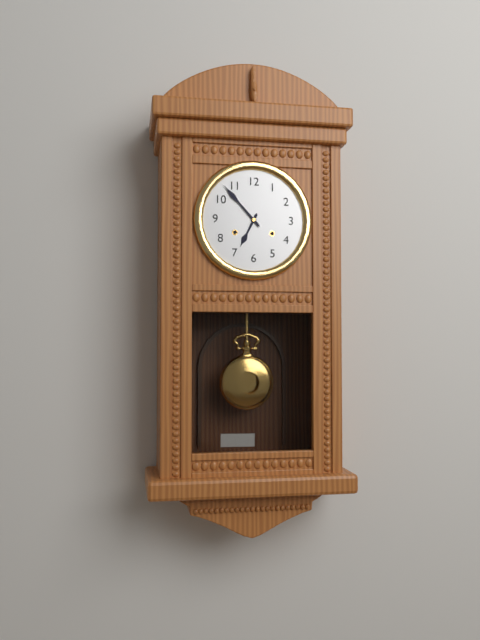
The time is 6,53
